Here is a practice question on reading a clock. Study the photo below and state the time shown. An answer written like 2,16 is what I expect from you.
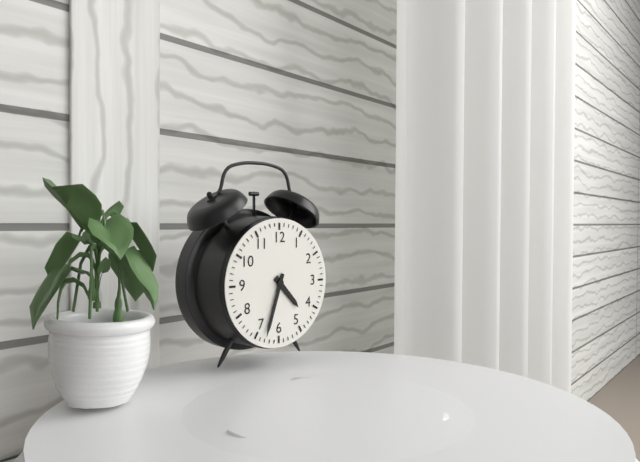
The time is 4,33
